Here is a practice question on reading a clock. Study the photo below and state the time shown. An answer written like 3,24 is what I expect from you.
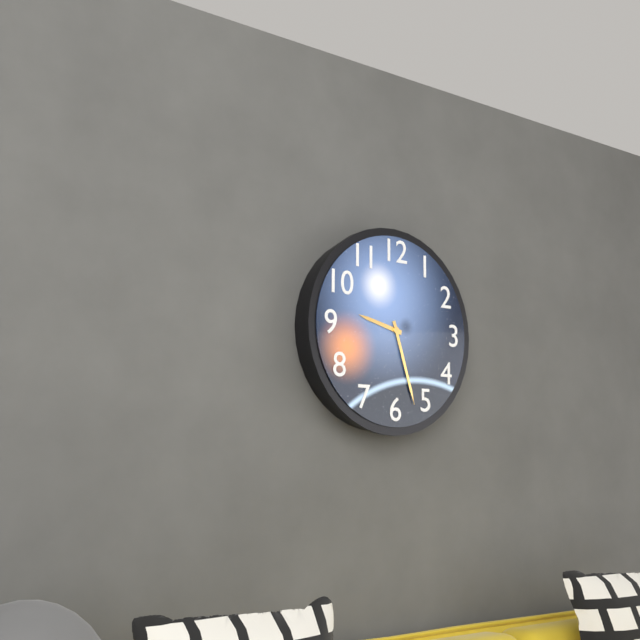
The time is 9,27
